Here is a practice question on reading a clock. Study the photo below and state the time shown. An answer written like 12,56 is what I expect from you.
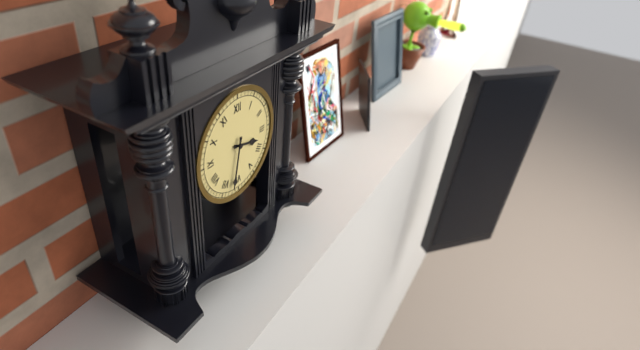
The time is 3,32
